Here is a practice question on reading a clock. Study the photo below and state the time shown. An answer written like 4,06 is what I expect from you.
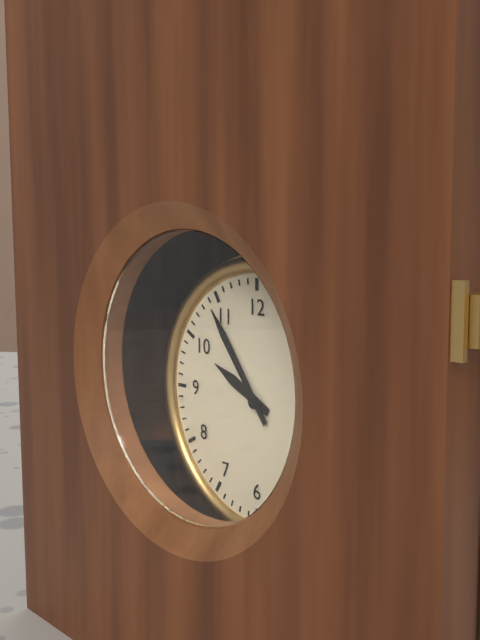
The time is 9,54
